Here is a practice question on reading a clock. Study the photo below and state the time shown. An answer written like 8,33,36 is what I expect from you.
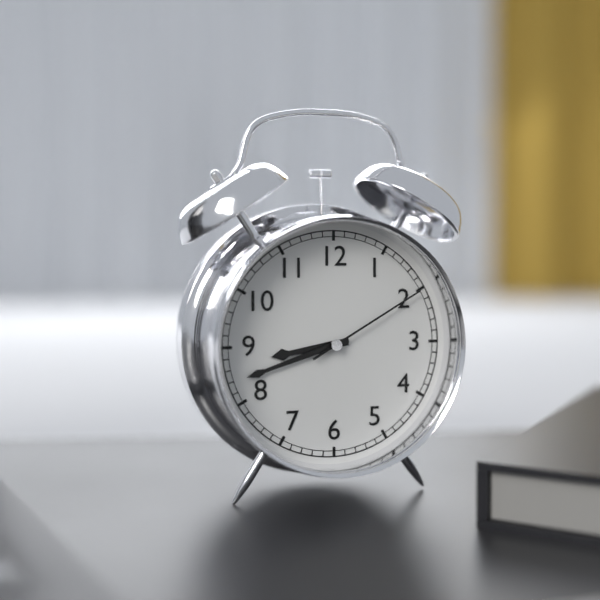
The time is 8,42,10
